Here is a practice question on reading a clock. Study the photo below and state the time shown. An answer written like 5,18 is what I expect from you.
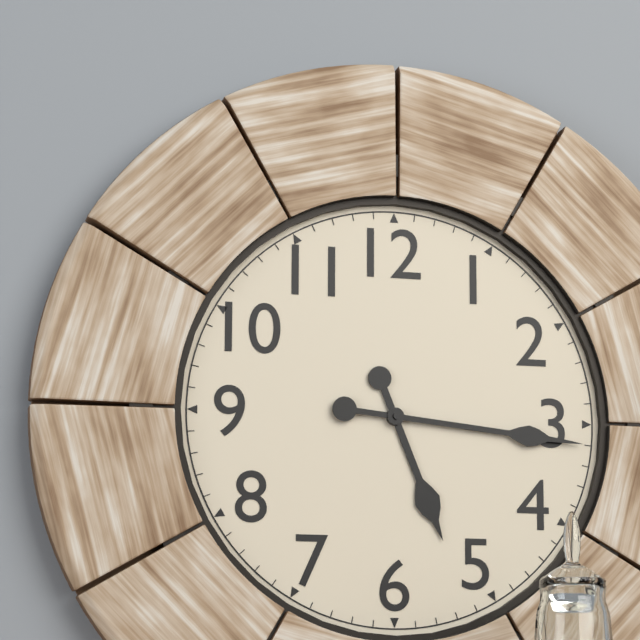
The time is 5,16
